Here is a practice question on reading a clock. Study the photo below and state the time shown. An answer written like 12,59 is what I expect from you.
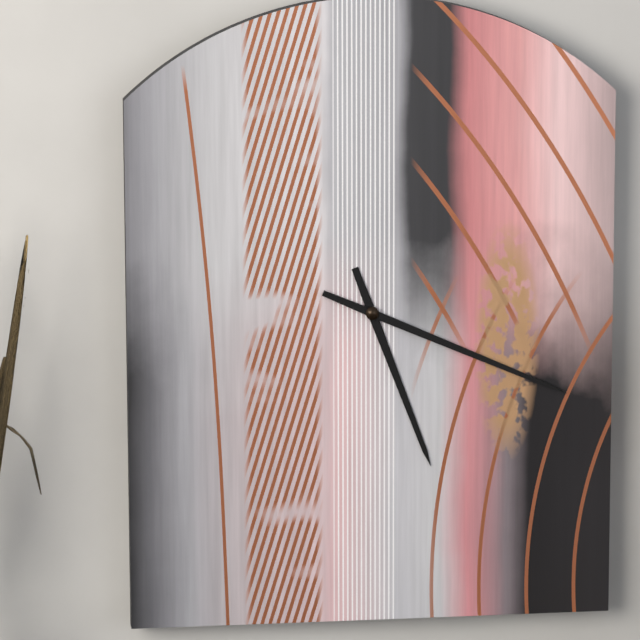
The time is 5,19
